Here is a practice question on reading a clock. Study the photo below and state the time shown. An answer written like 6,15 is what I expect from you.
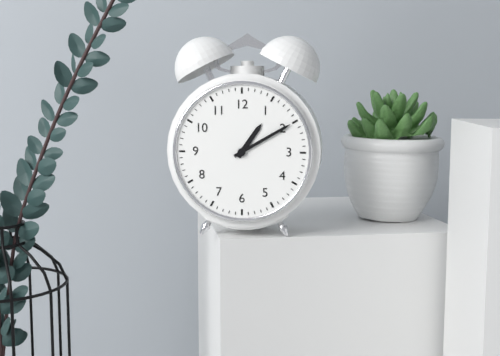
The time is 1,10
